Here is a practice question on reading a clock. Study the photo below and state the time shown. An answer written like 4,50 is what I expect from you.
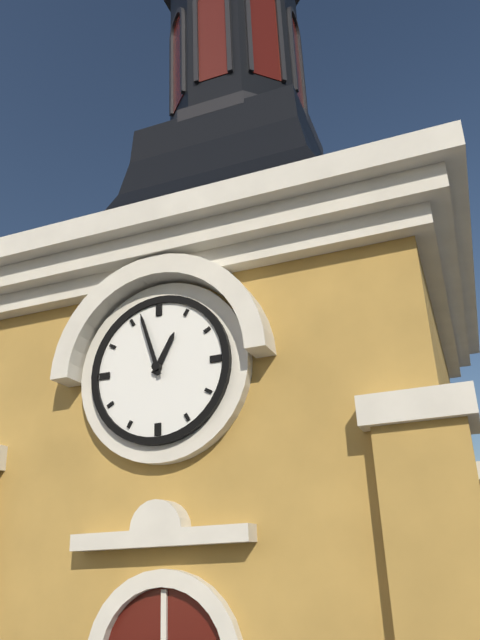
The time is 12,57
